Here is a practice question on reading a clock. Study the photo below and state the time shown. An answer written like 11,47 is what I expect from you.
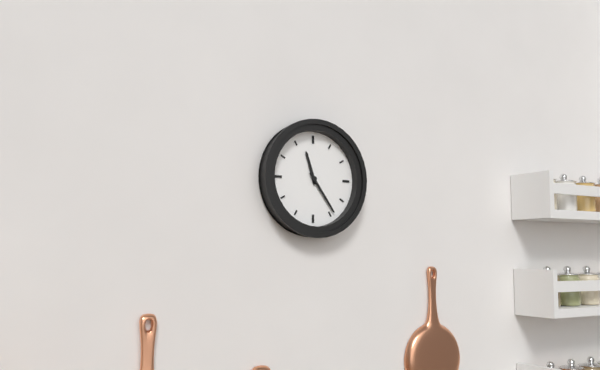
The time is 11,24
